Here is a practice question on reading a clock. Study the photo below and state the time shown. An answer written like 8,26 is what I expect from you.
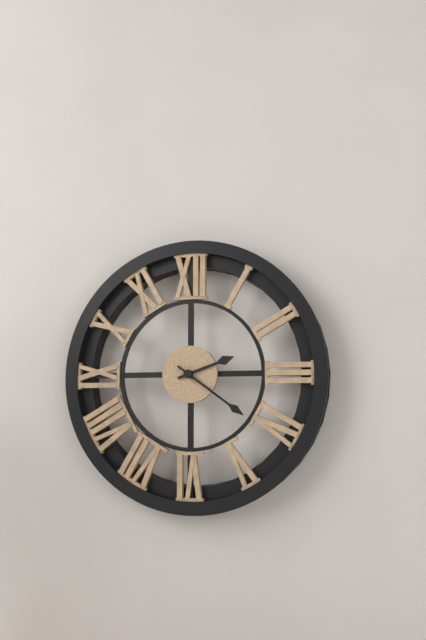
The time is 2,21
